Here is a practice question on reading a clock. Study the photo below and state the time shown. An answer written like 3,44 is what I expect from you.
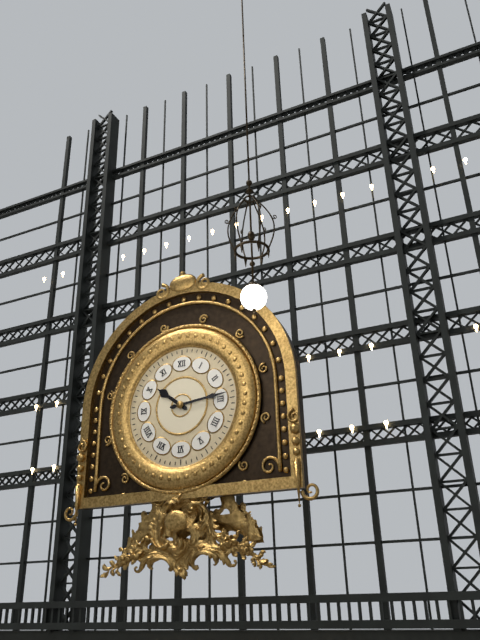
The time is 10,14
